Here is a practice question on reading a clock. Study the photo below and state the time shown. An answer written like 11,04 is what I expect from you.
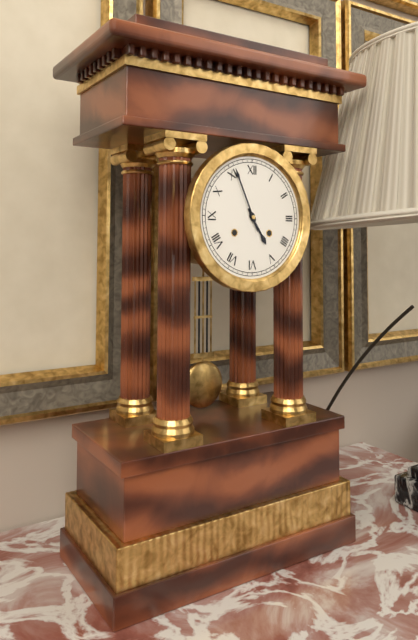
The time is 4,56
